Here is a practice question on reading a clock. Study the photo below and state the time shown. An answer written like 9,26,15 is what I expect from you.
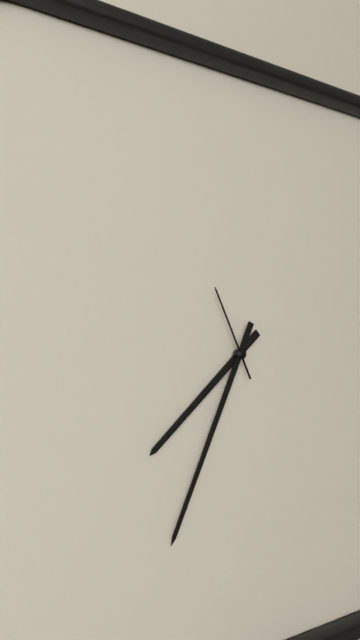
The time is 7,34,56
